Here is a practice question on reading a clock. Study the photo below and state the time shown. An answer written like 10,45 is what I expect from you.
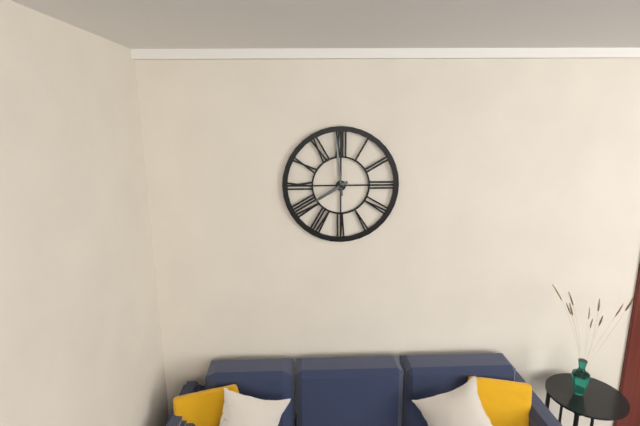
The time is 7,59
